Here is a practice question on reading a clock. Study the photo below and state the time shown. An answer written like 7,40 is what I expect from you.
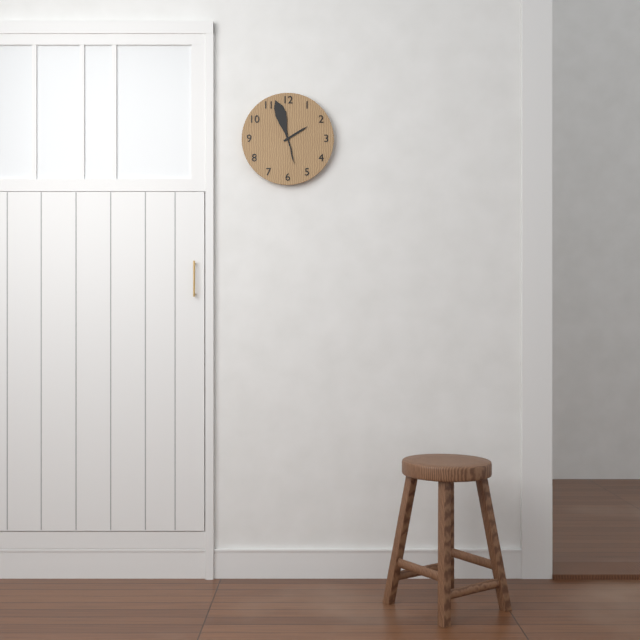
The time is 1,57
